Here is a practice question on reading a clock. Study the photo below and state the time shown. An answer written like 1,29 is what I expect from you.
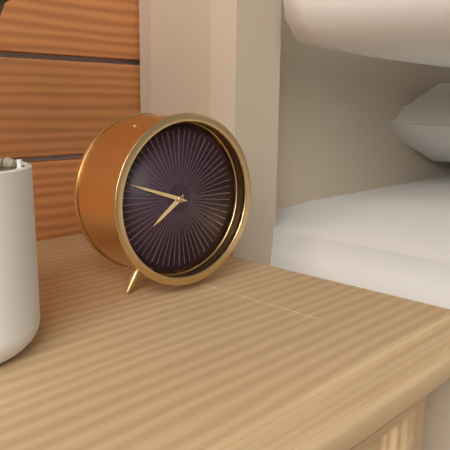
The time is 7,48
